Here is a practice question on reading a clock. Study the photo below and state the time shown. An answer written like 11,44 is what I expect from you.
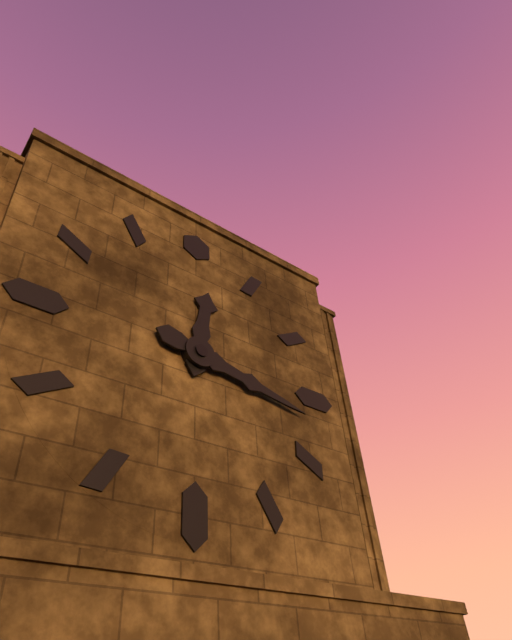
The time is 12,17
